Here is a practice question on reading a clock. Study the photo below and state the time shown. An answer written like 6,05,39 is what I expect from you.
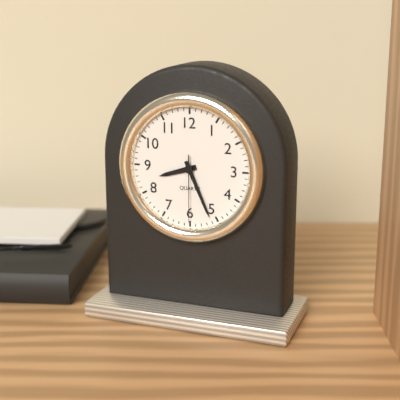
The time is 8,26,30
